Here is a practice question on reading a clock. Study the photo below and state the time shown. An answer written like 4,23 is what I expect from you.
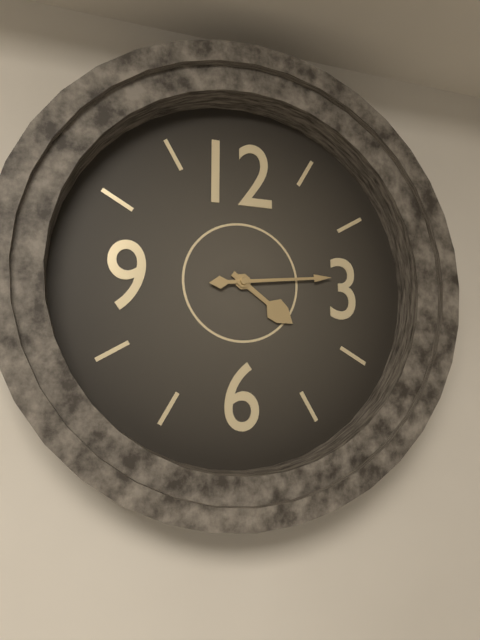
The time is 4,14
